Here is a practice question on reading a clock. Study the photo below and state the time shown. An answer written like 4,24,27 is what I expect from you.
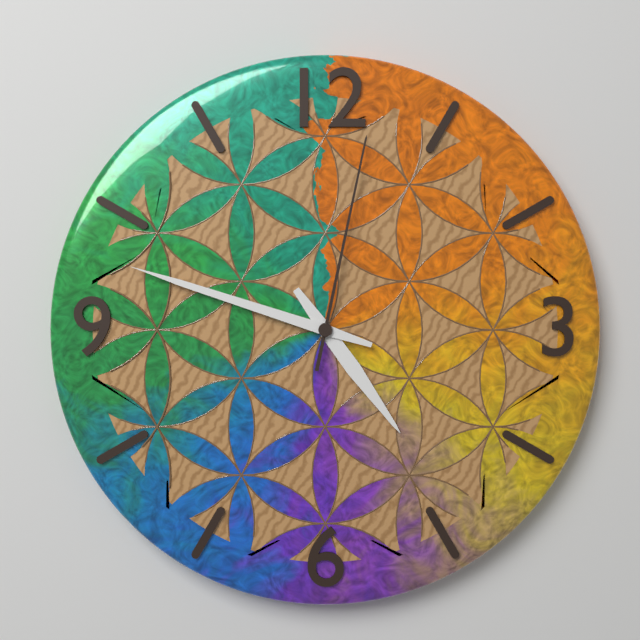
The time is 4,48,02
